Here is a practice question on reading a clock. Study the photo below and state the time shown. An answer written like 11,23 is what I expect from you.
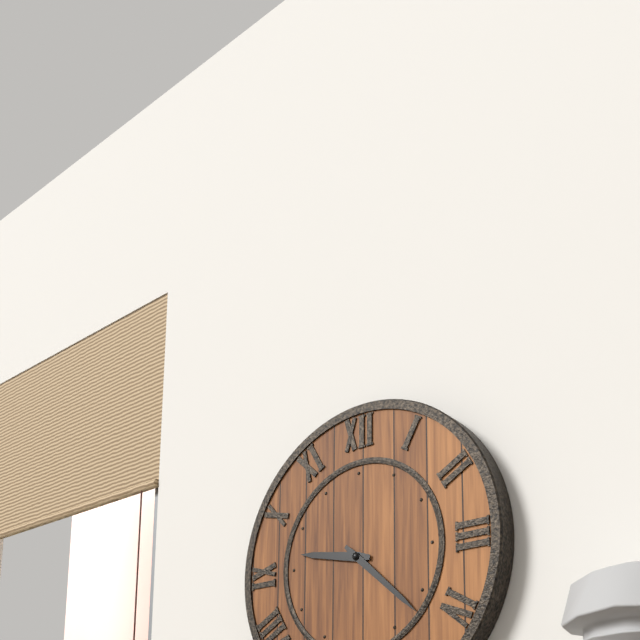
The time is 9,22
